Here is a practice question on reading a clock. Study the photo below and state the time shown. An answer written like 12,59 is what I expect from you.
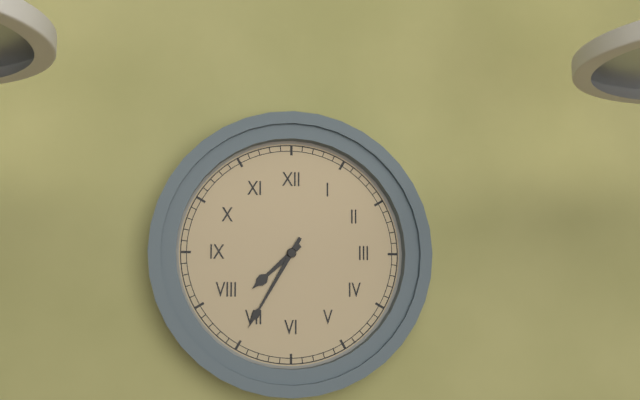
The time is 7,35
